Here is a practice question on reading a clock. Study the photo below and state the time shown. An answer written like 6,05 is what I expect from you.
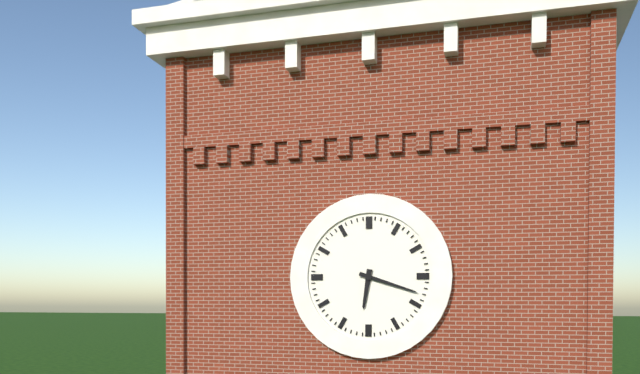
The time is 6,18
